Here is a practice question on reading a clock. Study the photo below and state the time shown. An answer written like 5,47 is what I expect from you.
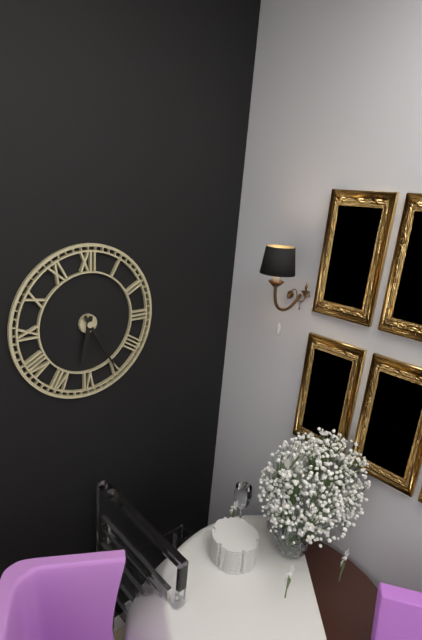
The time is 6,25
